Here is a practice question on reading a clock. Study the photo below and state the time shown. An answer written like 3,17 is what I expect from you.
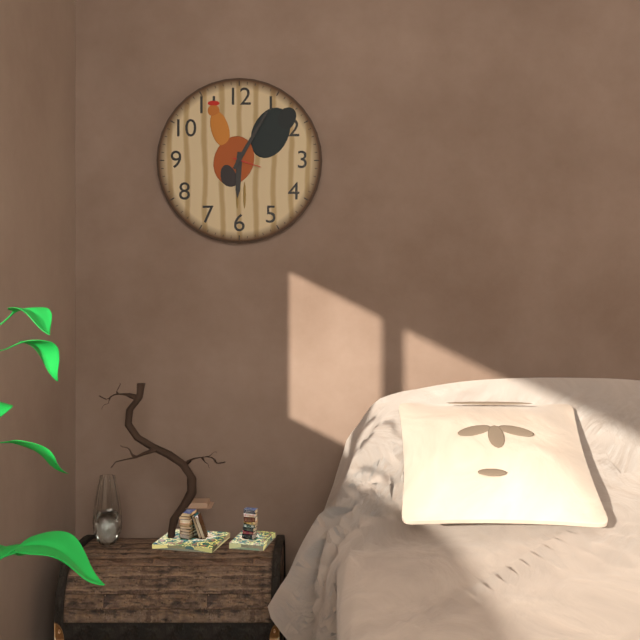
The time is 6,05
